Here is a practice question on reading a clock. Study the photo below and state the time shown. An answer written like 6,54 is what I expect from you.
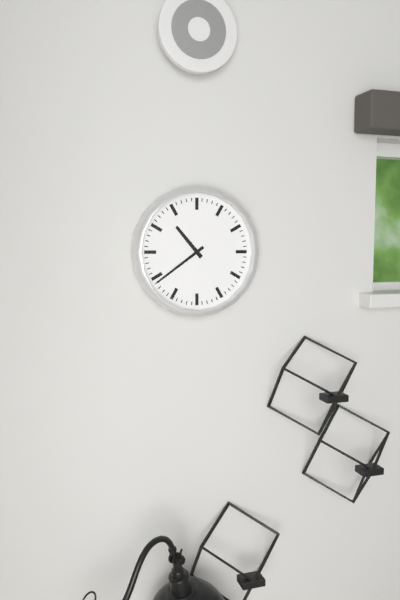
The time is 10,39
